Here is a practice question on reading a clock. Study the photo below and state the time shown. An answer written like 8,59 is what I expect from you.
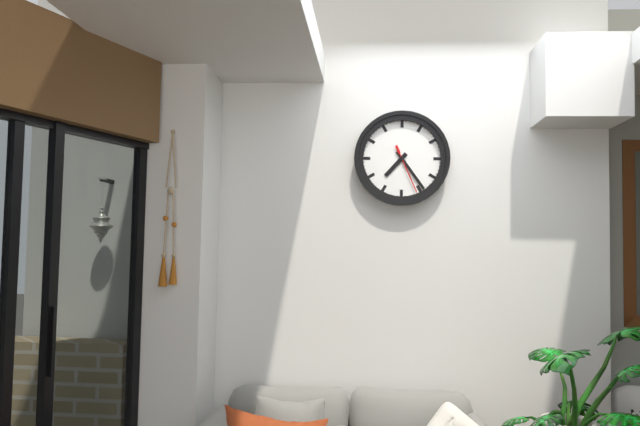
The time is 7,24
